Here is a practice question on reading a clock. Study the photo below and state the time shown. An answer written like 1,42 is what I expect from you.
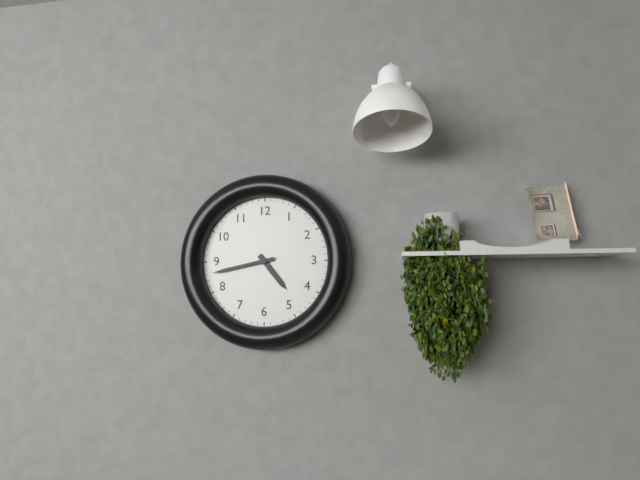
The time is 4,43
